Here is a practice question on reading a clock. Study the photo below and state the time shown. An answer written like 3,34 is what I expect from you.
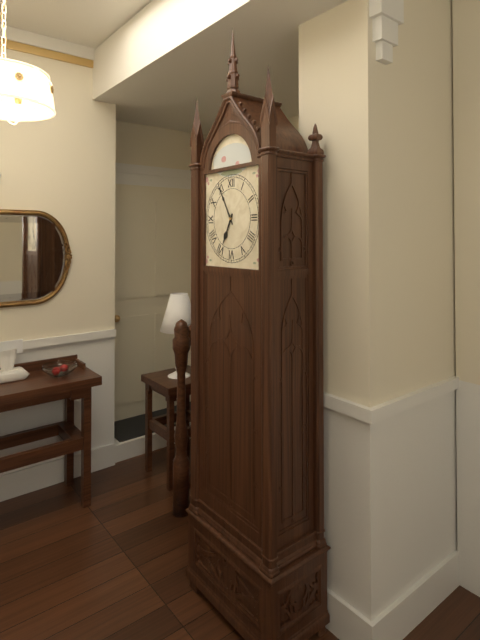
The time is 6,55
